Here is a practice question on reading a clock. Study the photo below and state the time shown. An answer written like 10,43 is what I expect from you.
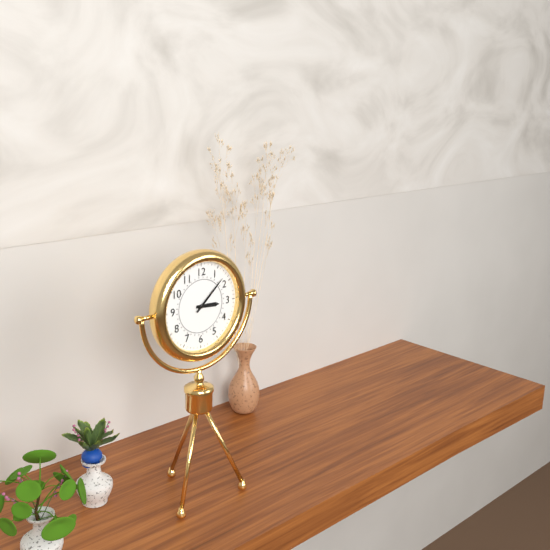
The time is 3,08
